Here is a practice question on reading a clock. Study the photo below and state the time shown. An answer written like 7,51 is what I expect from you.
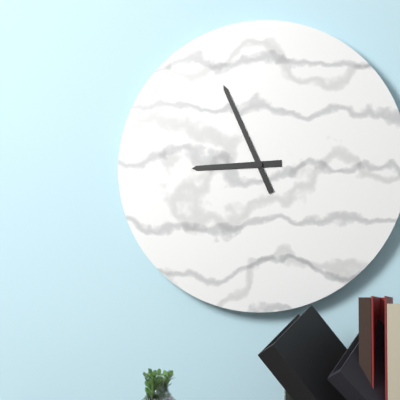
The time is 8,56
